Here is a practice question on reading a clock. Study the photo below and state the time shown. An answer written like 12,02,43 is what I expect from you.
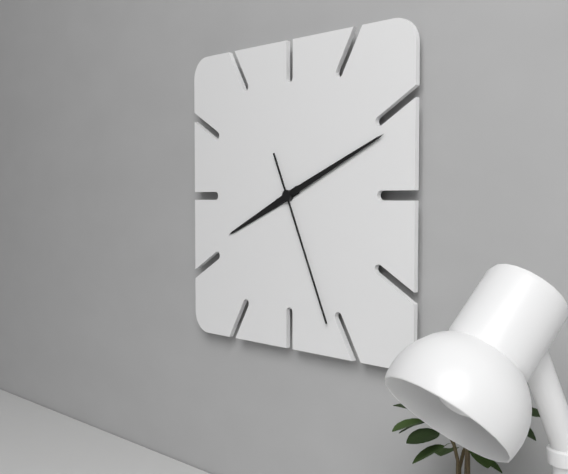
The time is 8,11,26
